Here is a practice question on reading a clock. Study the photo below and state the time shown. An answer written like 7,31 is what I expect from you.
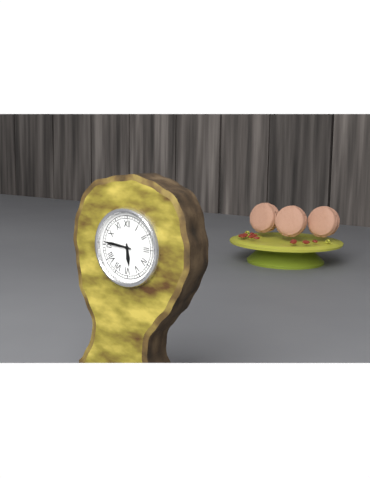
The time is 5,46
